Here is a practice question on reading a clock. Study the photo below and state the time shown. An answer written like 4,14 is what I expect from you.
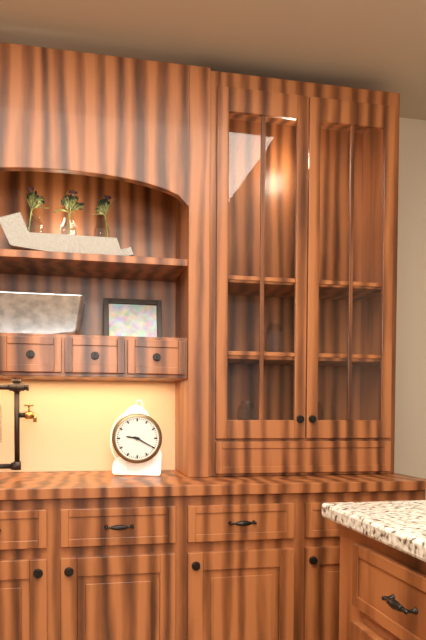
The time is 9,20
